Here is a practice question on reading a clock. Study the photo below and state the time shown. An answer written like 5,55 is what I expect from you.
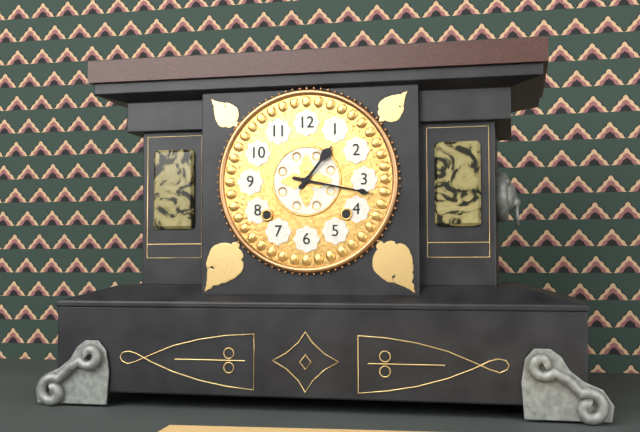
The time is 1,17
